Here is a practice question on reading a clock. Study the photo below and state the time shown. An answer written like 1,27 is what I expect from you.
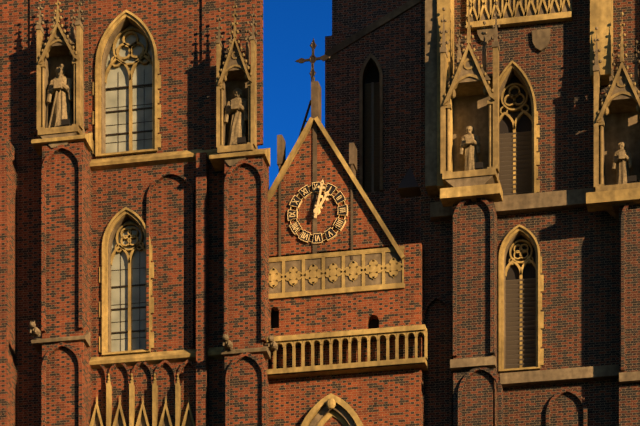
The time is 1,02
